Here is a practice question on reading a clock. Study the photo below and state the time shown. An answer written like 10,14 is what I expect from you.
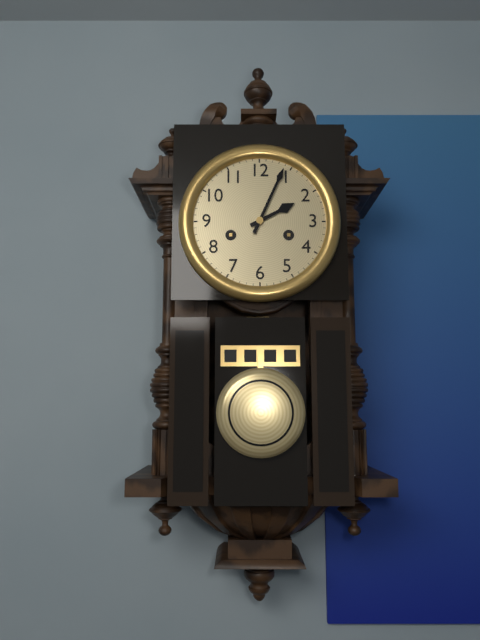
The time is 2,04
